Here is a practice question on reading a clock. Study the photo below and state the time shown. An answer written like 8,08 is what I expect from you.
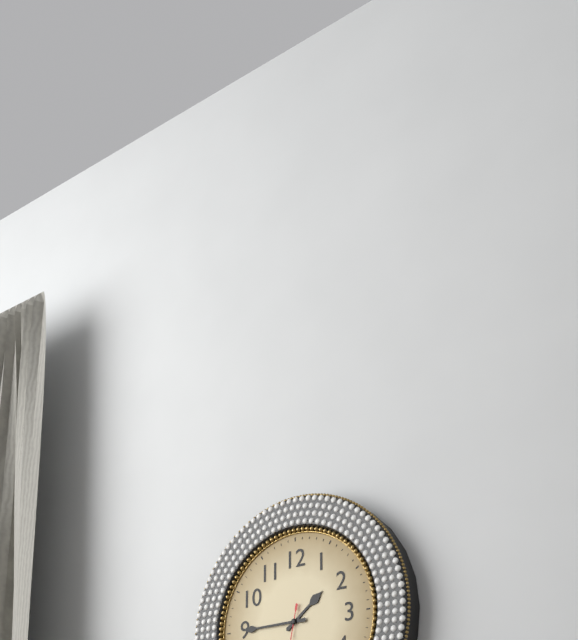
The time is 1,45
